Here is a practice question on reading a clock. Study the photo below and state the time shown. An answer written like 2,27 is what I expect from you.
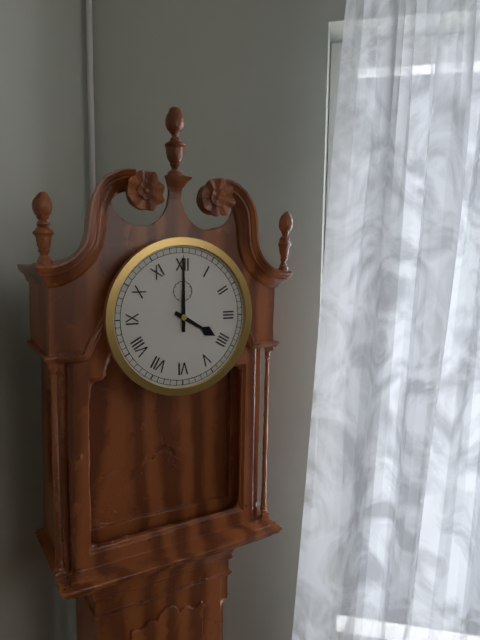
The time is 4,00
